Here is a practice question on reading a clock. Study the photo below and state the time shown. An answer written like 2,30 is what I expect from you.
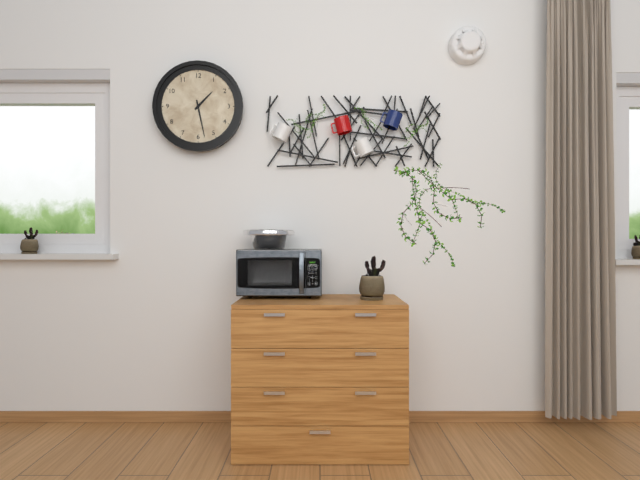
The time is 1,28
